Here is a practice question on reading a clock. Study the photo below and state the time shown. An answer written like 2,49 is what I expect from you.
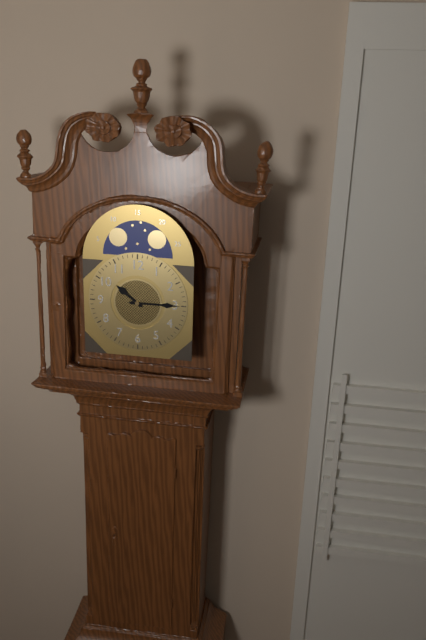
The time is 10,15
